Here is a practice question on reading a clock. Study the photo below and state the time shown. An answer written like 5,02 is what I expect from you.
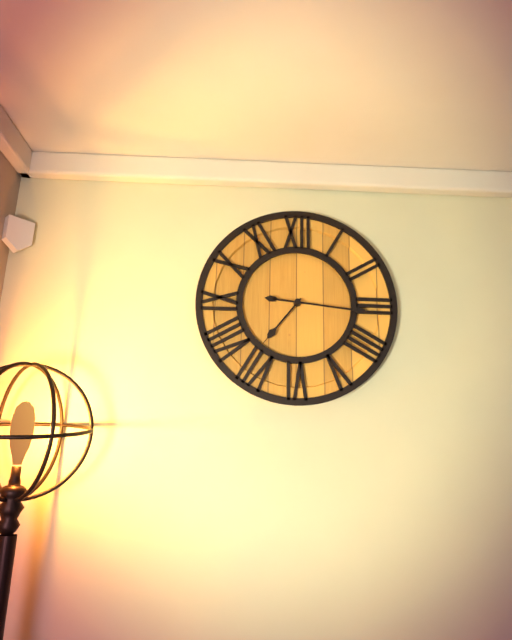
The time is 7,16
